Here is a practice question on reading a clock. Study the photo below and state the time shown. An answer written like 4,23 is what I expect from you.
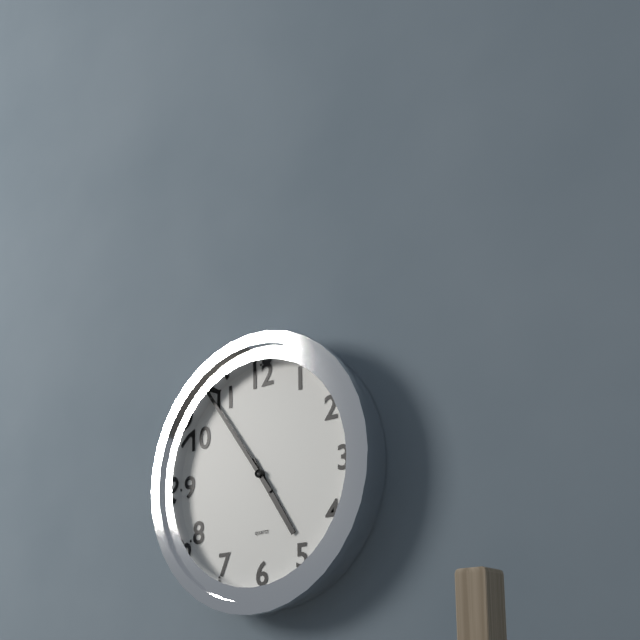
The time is 4,54
